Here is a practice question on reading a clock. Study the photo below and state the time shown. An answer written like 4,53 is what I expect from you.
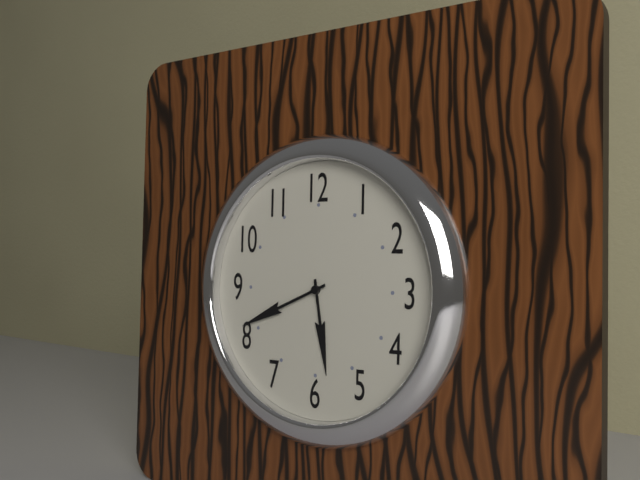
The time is 5,41
